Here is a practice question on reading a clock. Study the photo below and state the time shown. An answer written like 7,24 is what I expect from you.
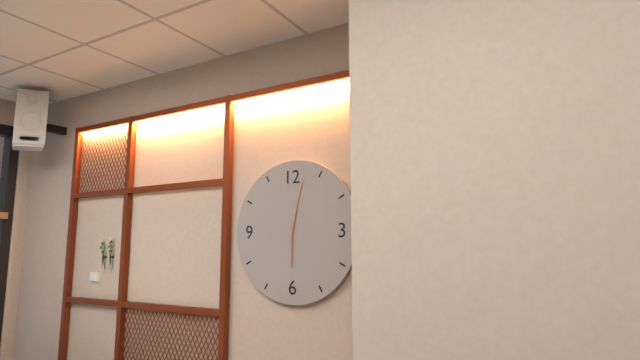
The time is 6,02
